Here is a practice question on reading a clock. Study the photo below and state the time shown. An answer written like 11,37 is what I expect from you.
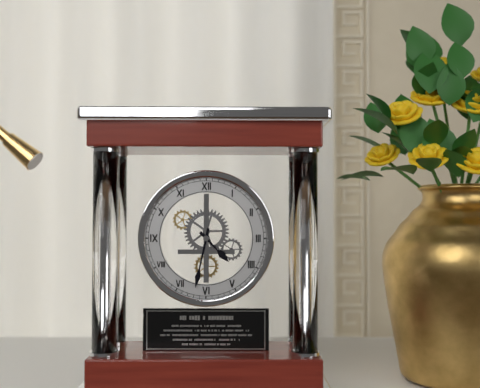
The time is 4,32
